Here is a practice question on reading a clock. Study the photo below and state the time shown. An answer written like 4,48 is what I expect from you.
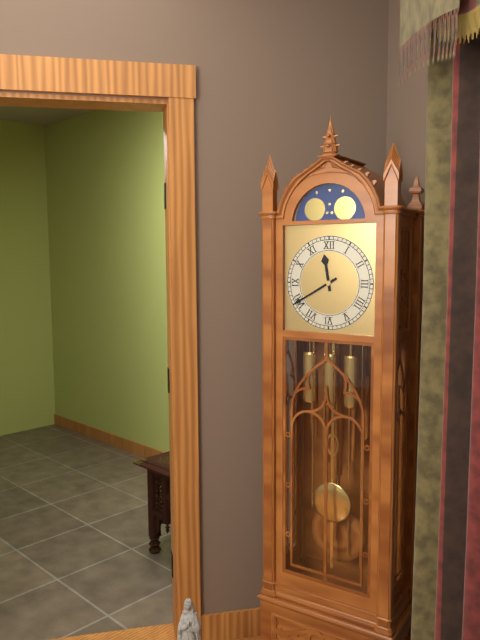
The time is 11,40
